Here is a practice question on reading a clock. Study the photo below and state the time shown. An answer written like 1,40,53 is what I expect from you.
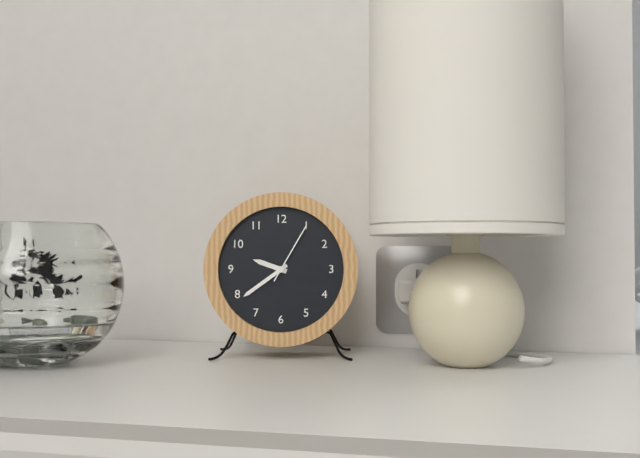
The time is 9,39,05
